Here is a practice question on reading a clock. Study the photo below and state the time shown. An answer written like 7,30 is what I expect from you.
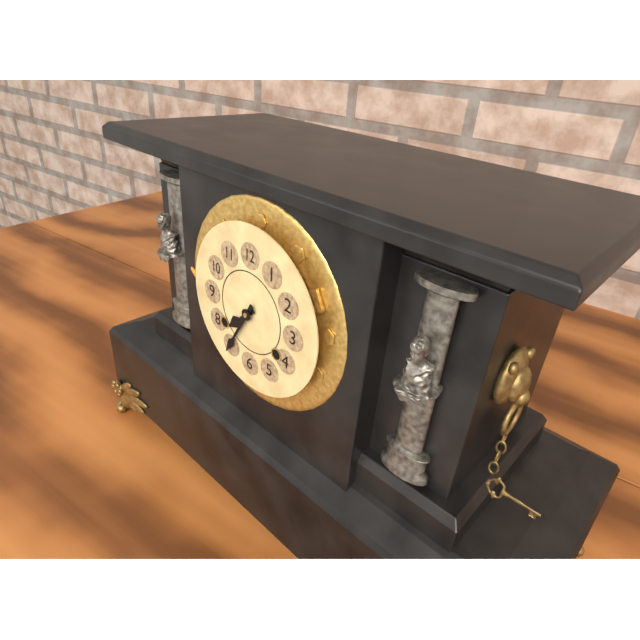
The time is 7,35
